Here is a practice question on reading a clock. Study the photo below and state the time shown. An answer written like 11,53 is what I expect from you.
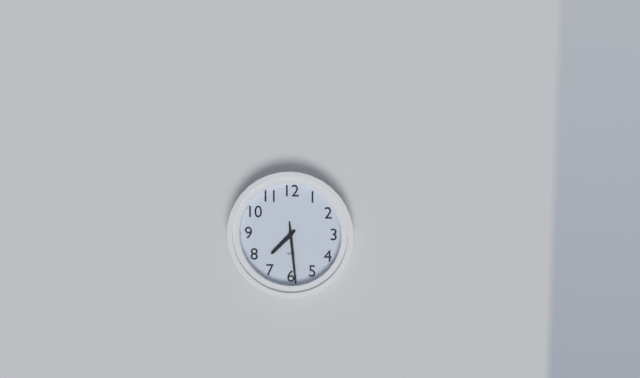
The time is 7,29
